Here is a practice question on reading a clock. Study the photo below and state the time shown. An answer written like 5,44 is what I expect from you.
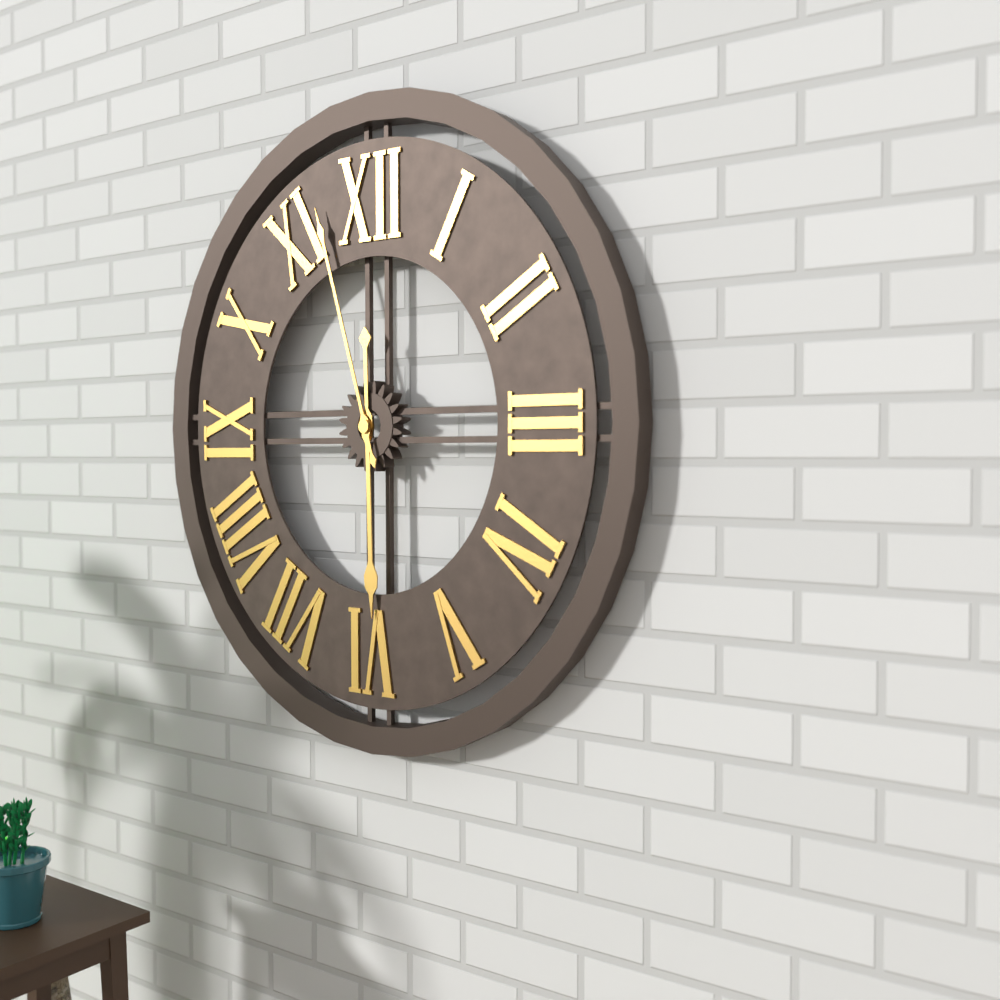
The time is 5,57
